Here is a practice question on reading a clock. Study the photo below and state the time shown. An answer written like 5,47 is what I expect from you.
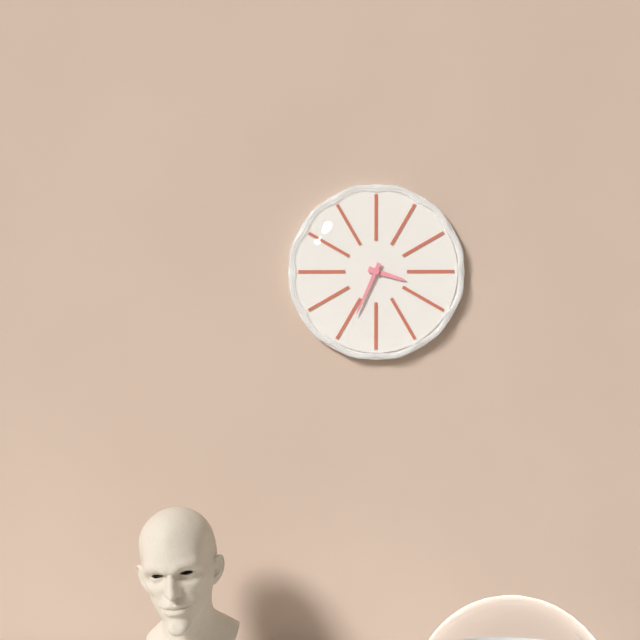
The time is 3,34
